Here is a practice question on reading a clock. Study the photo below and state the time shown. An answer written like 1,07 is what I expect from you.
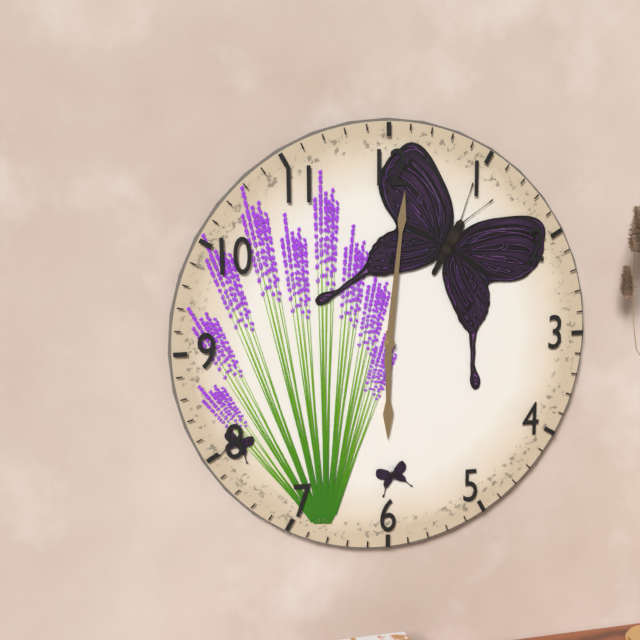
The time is 6,01
